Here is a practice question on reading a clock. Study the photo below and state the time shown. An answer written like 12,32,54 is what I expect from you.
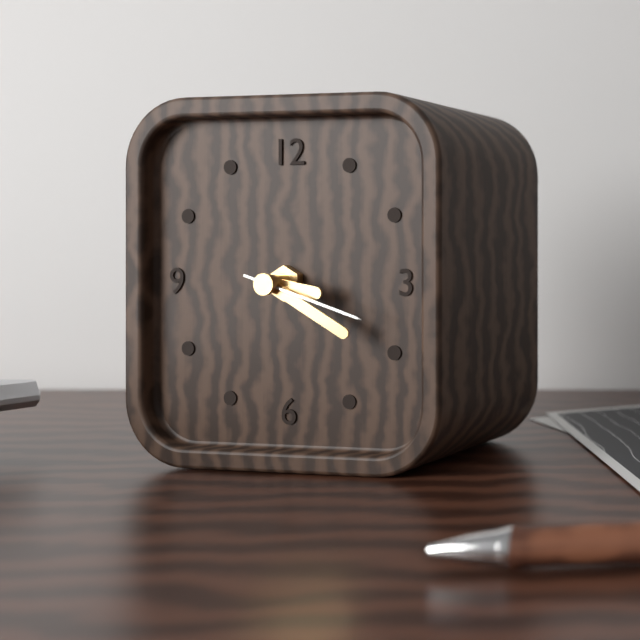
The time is 3,20,18
